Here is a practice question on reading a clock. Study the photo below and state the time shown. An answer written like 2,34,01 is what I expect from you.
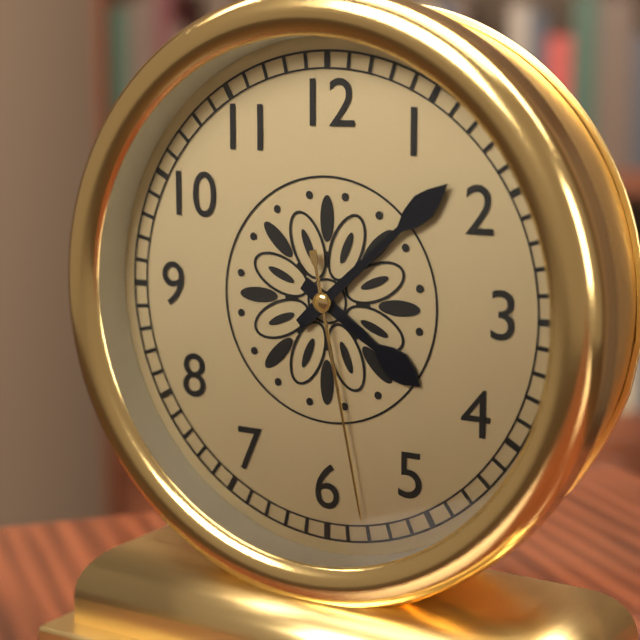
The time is 4,08,28
